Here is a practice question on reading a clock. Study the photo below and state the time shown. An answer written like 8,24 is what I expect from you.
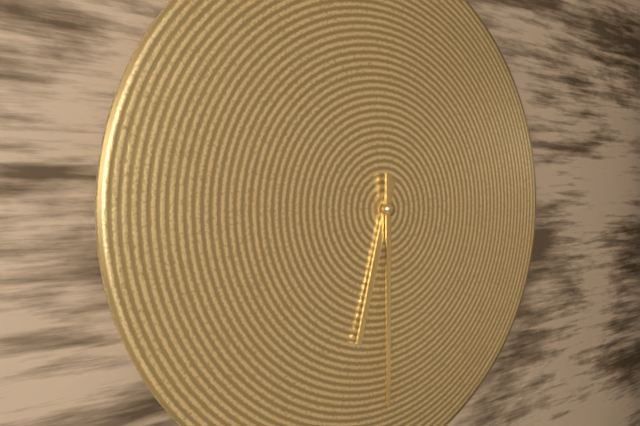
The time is 6,30
